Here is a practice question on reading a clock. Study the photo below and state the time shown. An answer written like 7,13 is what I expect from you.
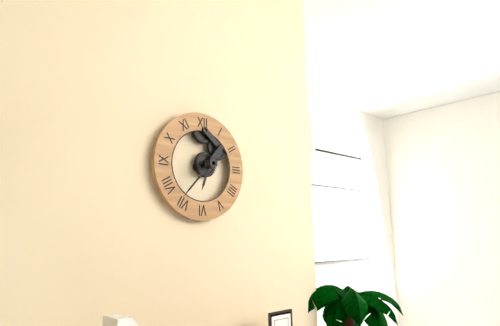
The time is 6,37
